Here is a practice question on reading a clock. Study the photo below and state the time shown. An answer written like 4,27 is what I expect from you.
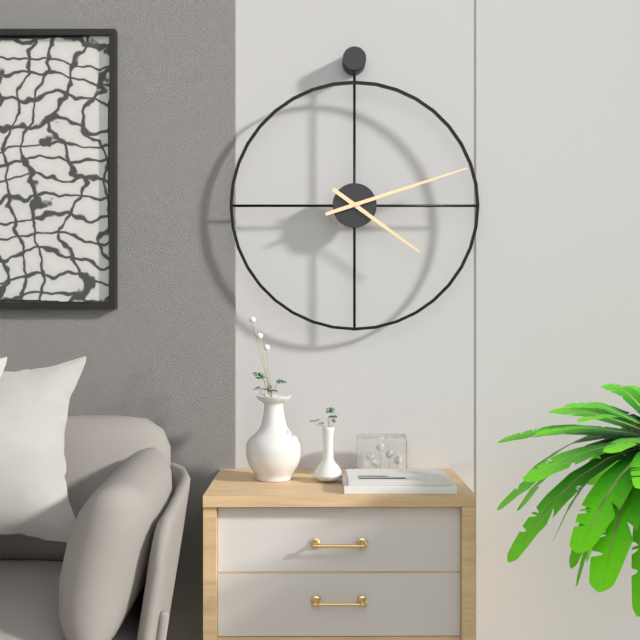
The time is 4,12
